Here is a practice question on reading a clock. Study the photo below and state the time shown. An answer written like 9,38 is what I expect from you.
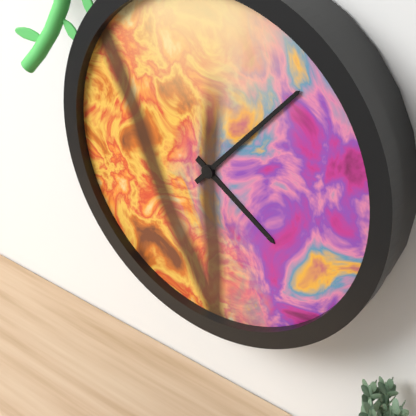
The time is 4,07
